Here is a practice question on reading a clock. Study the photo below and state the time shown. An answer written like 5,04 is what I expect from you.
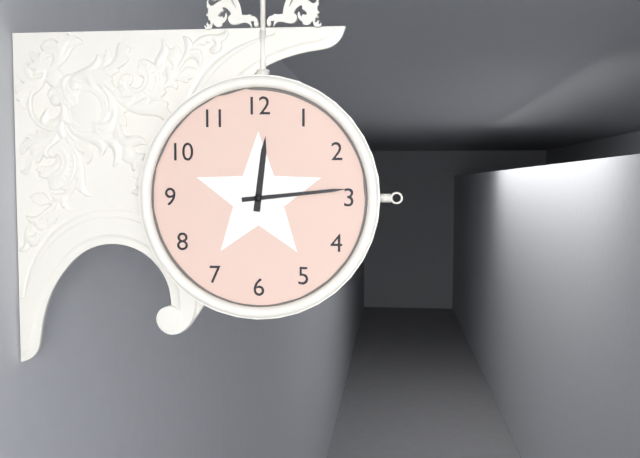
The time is 12,14
